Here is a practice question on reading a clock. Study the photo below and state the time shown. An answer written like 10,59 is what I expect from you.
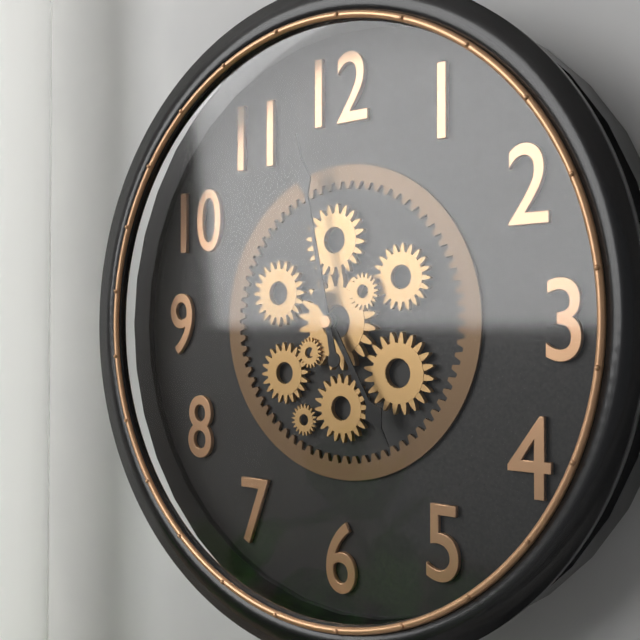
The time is 4,58
